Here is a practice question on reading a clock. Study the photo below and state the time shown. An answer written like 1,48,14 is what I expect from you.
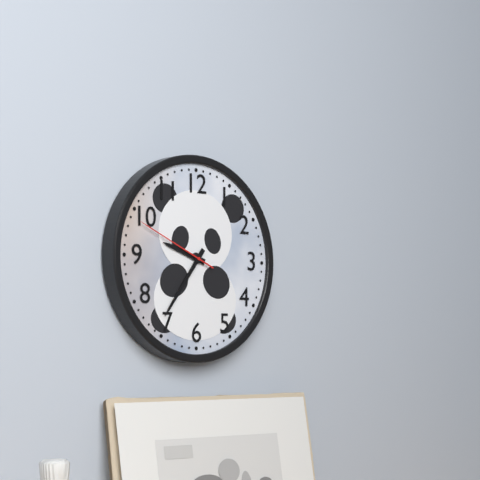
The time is 9,36,49
